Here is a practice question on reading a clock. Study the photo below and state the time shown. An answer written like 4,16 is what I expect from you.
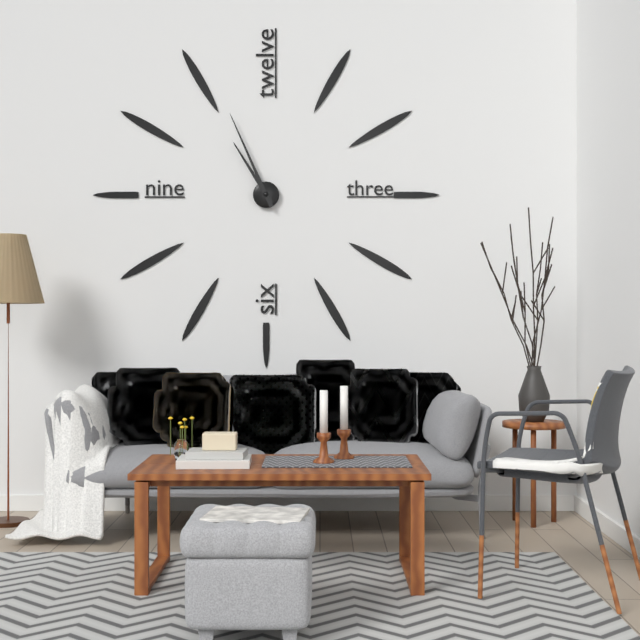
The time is 10,56
